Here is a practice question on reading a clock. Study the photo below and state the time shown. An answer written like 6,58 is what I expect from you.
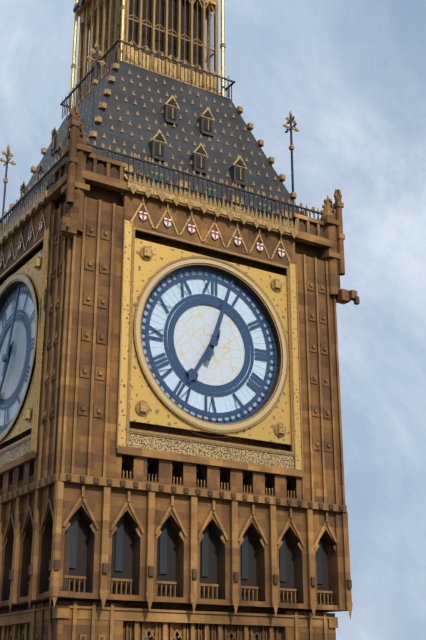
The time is 7,03
